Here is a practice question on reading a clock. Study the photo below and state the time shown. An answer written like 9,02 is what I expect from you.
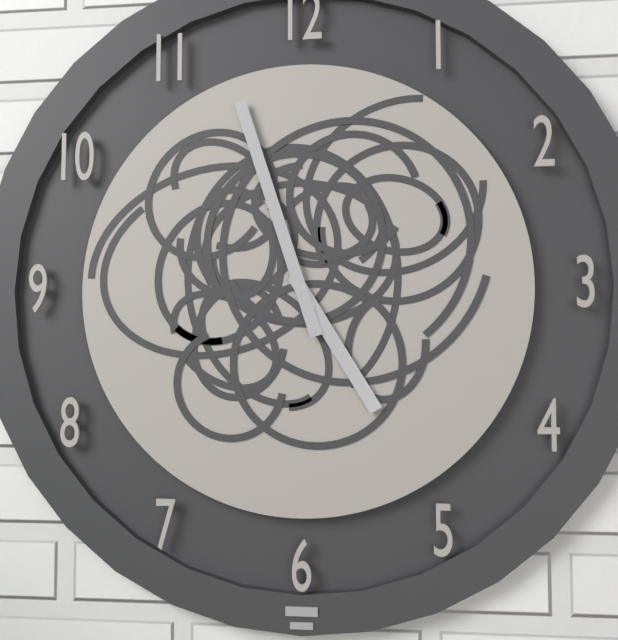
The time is 4,57
